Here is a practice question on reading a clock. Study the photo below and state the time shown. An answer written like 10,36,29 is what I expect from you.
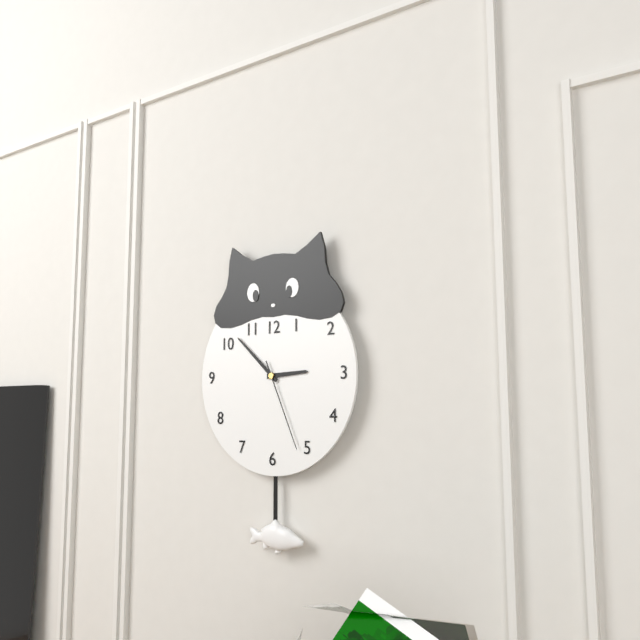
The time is 2,52,26
